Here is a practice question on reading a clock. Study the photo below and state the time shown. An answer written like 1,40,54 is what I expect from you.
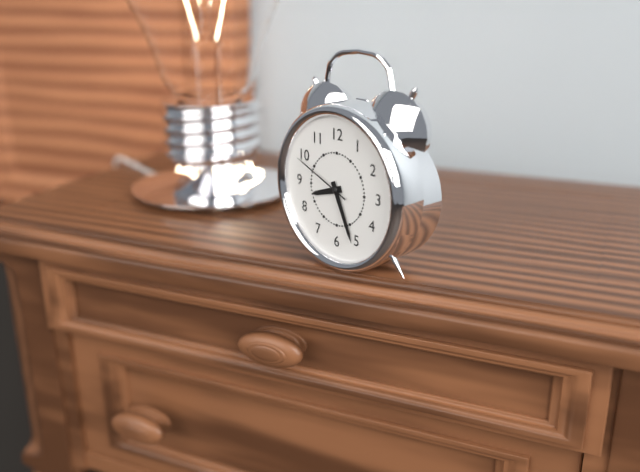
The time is 8,26,49
